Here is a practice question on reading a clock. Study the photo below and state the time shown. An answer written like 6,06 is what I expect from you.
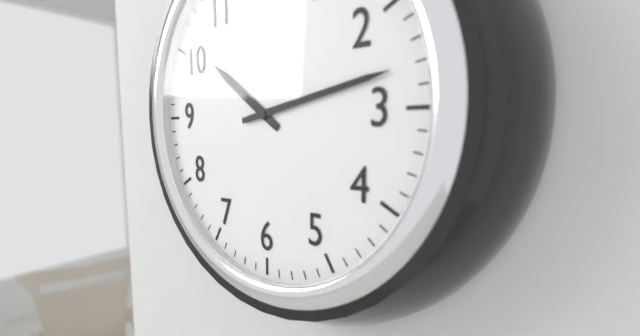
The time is 10,13
